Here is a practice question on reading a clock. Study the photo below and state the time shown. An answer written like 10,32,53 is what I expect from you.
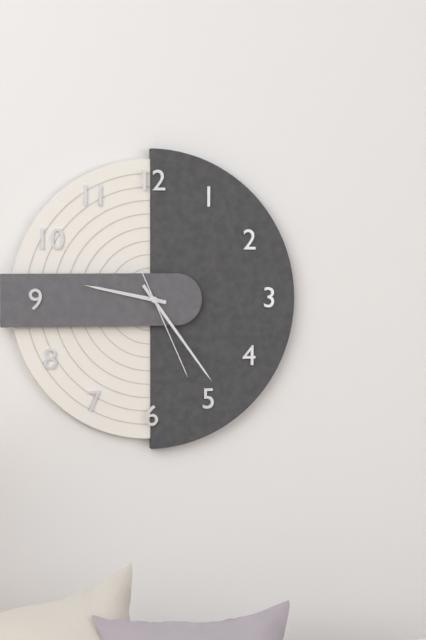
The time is 9,24,26
